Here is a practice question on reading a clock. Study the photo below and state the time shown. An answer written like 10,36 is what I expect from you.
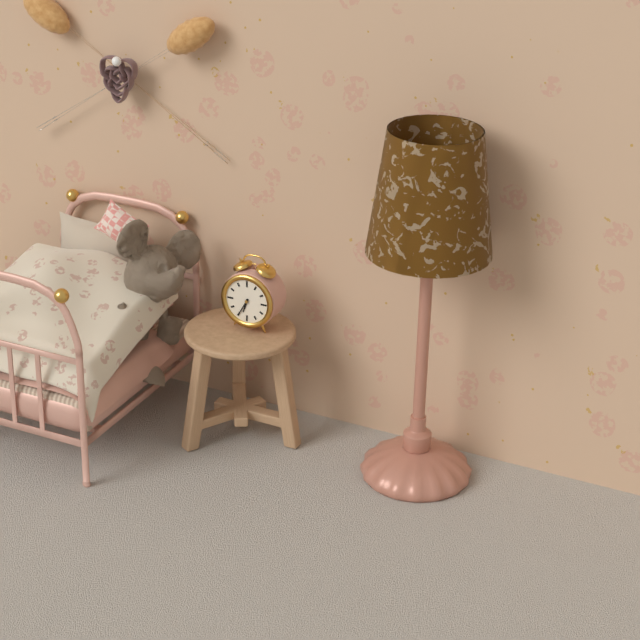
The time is 6,35
